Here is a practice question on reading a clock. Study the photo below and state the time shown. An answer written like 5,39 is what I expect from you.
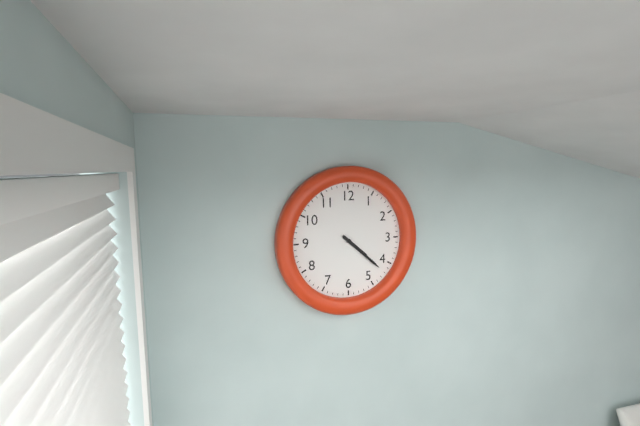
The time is 4,22
